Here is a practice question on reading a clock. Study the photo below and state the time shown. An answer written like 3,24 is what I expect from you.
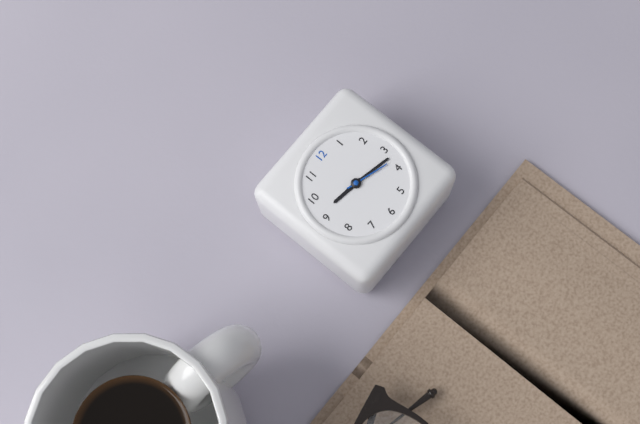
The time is 9,17
